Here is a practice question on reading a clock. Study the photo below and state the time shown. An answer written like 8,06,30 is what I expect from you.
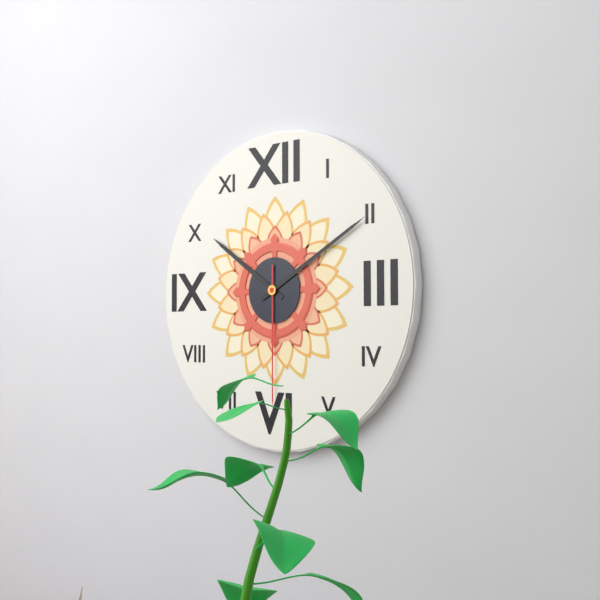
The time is 10,10,30
